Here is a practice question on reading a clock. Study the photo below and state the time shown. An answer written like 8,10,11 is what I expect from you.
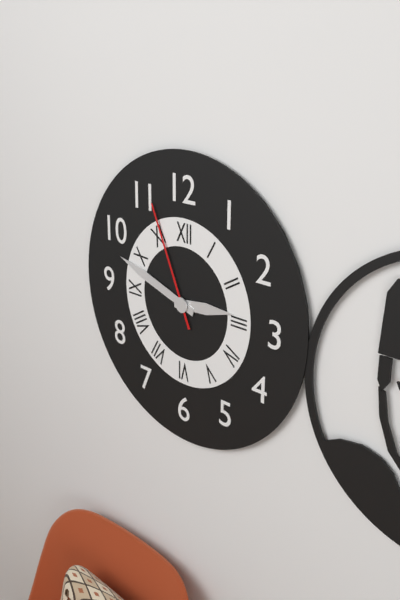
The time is 2,48,56
